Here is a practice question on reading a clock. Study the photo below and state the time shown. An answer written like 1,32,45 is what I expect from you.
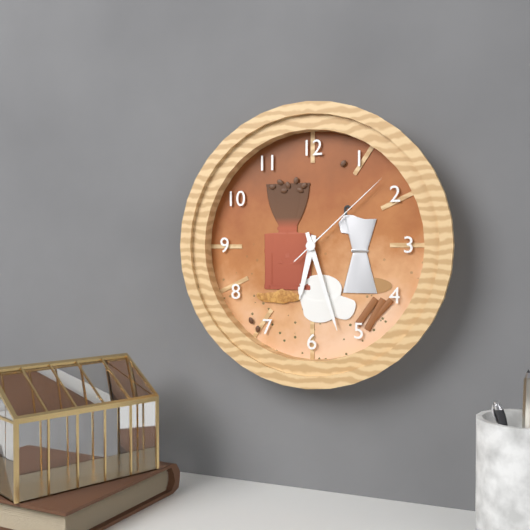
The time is 6,27,08
